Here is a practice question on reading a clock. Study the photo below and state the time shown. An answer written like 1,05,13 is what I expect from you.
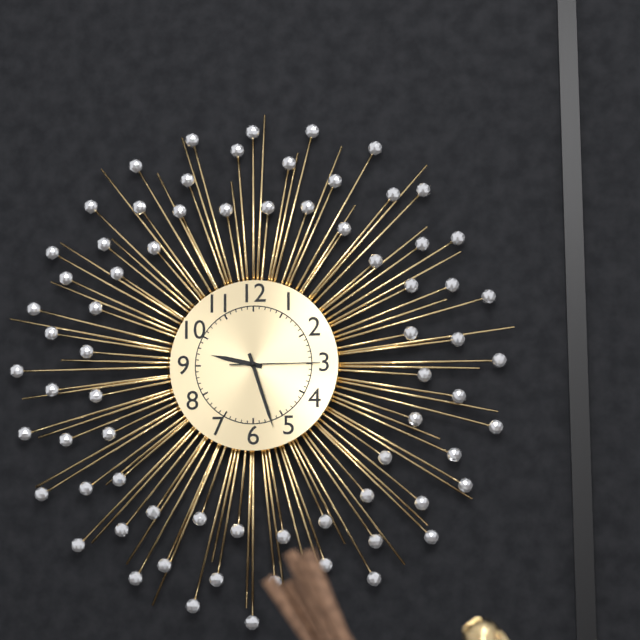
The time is 9,27,15
